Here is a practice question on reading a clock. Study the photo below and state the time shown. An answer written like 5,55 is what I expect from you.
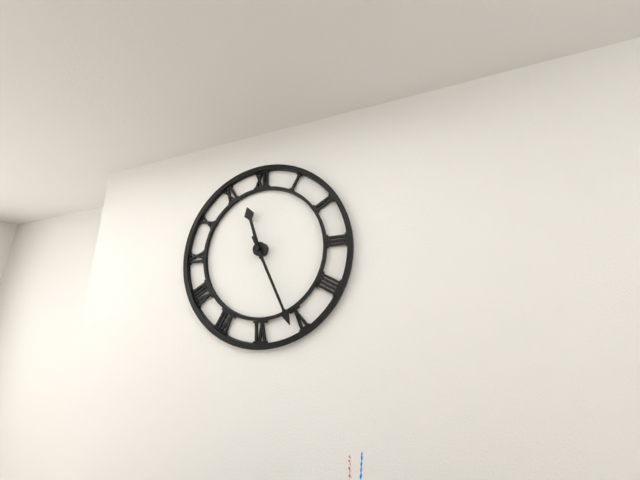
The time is 11,26
